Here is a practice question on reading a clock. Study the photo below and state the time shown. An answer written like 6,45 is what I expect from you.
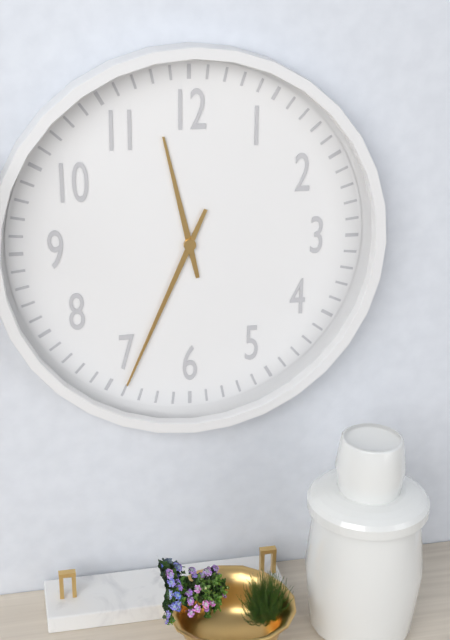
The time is 11,34
